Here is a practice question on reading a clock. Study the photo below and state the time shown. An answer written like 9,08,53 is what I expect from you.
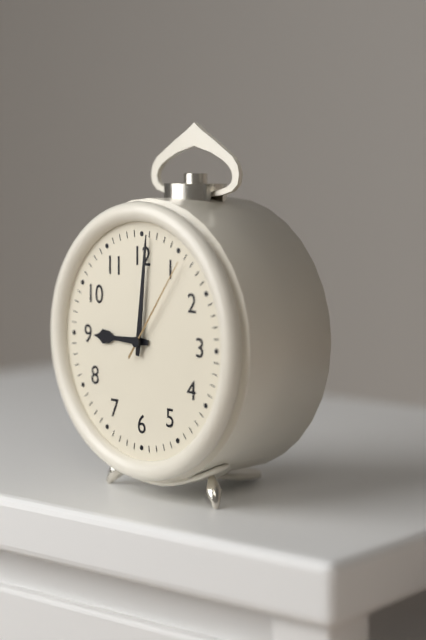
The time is 9,01,06
